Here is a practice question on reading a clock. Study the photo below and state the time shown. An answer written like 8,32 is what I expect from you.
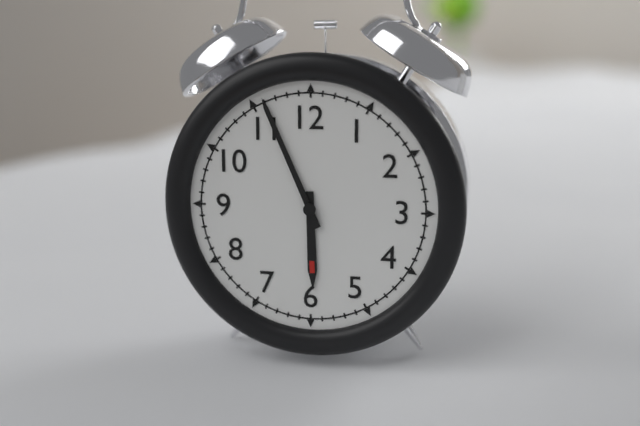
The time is 5,56
